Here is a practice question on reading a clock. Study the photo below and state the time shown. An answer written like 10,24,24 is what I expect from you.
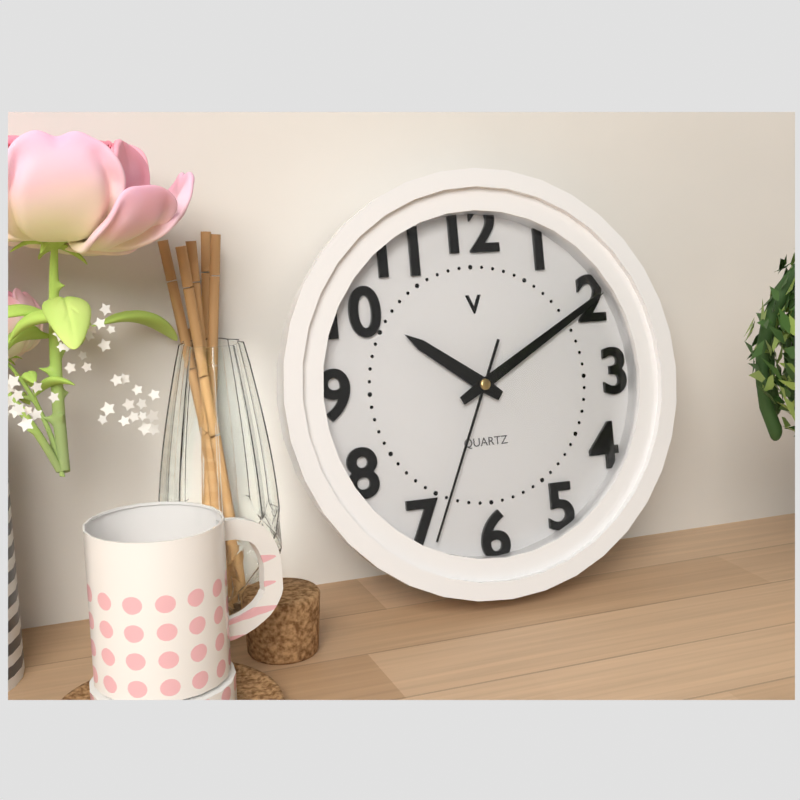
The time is 10,10,34
